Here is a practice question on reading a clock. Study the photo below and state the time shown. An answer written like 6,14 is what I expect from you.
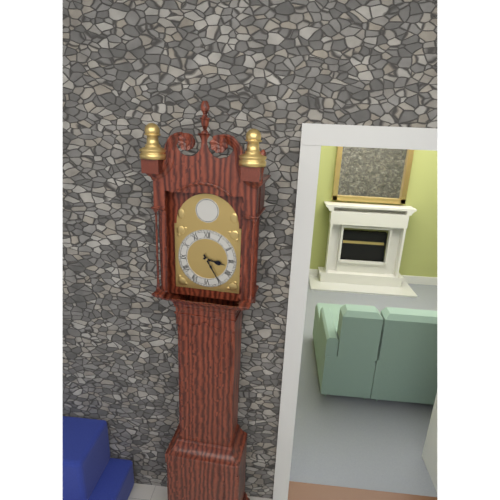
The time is 3,25
